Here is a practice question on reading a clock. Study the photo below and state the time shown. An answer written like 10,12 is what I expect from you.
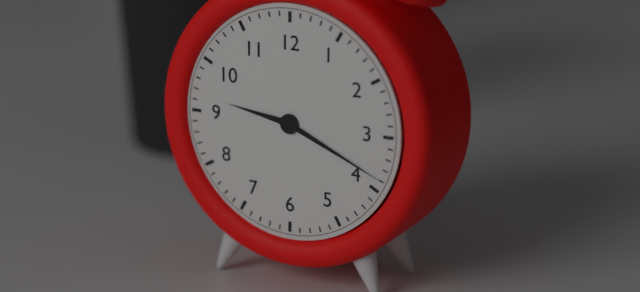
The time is 9,19
